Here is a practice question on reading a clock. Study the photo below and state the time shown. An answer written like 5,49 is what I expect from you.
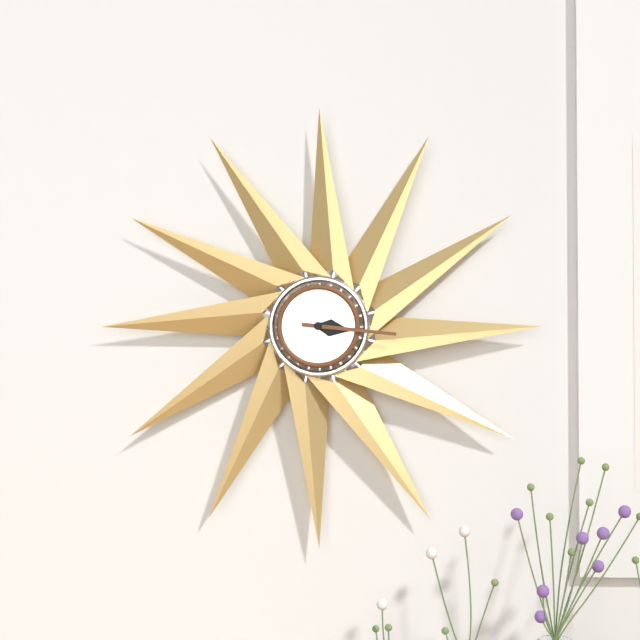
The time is 3,16
